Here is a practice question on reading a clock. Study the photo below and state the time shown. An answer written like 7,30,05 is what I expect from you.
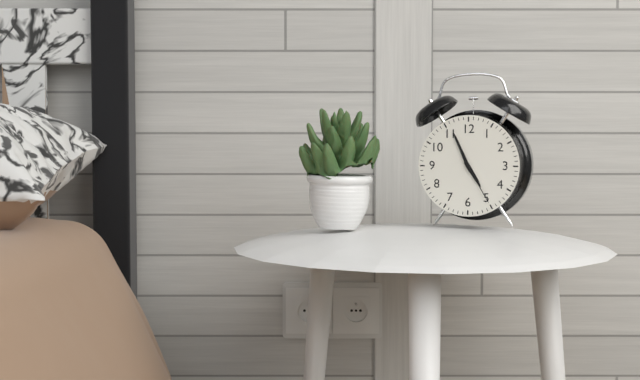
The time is 4,56,25
